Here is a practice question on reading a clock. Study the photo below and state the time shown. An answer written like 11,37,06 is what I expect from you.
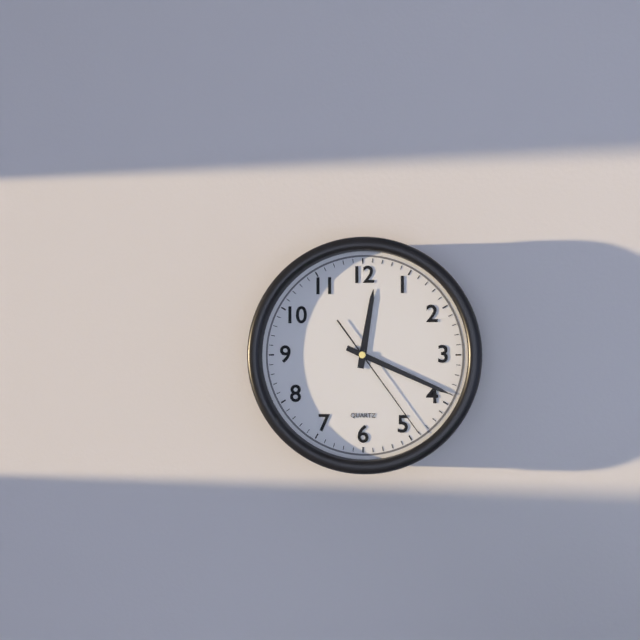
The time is 12,19,24
